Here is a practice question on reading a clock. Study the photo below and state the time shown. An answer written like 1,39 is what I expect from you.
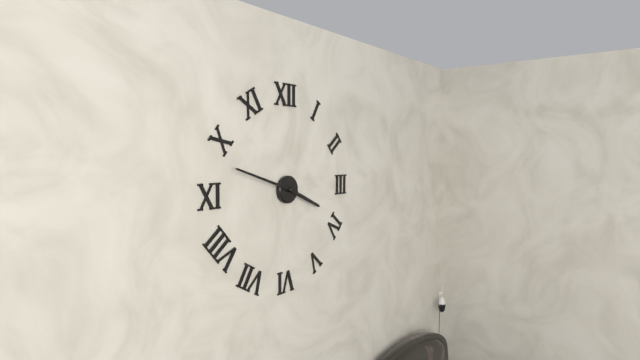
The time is 3,48
